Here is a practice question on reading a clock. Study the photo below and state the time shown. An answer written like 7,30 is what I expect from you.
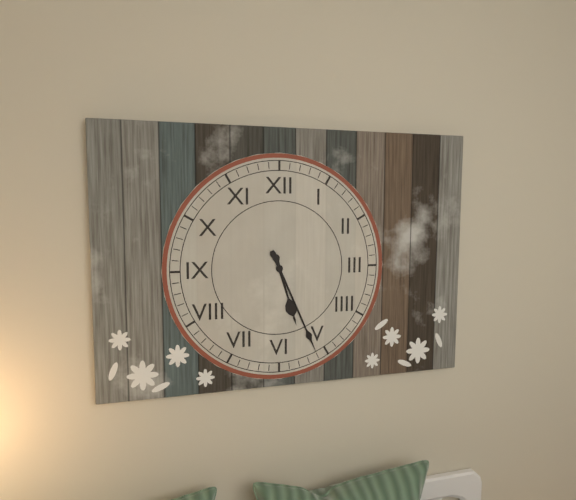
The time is 5,26
